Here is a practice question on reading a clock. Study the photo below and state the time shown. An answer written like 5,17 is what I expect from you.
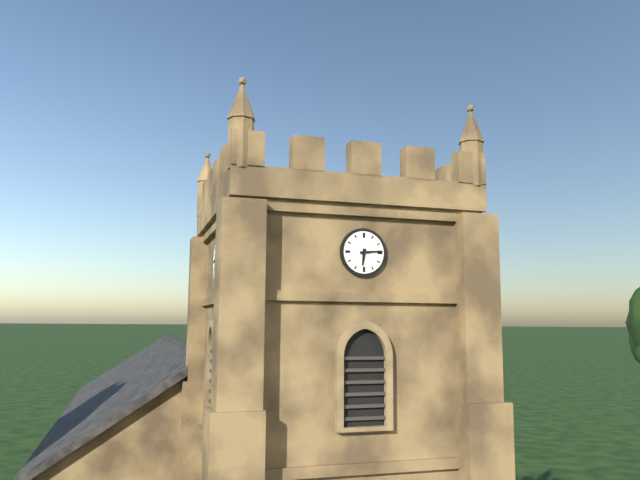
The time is 6,14
